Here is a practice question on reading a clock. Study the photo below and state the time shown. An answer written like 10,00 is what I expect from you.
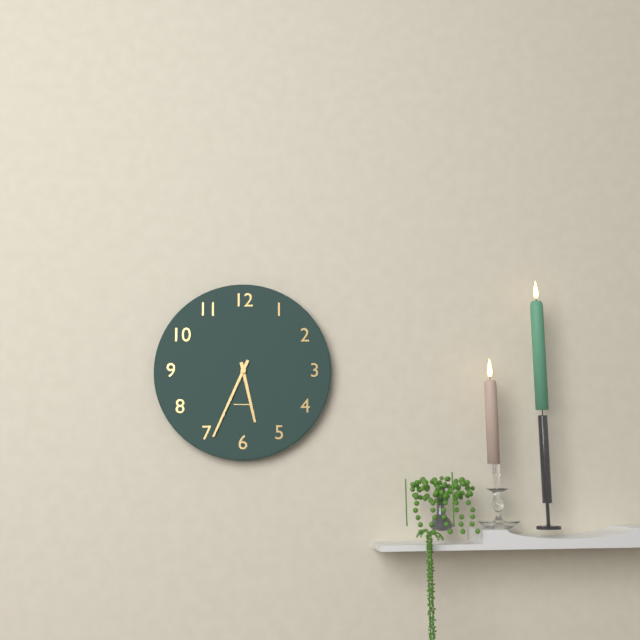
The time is 5,34
